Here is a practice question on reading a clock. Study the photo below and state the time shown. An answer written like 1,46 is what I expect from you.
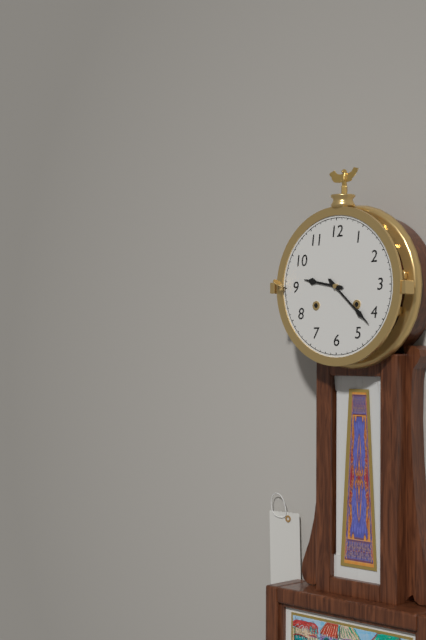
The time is 9,22
